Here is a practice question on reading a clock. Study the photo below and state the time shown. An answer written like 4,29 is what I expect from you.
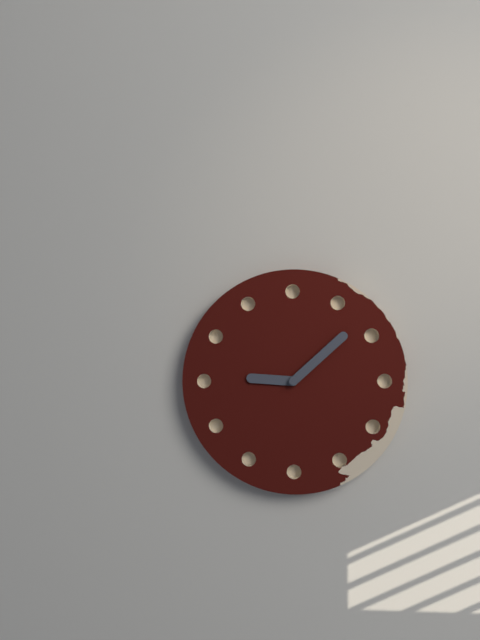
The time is 9,08
